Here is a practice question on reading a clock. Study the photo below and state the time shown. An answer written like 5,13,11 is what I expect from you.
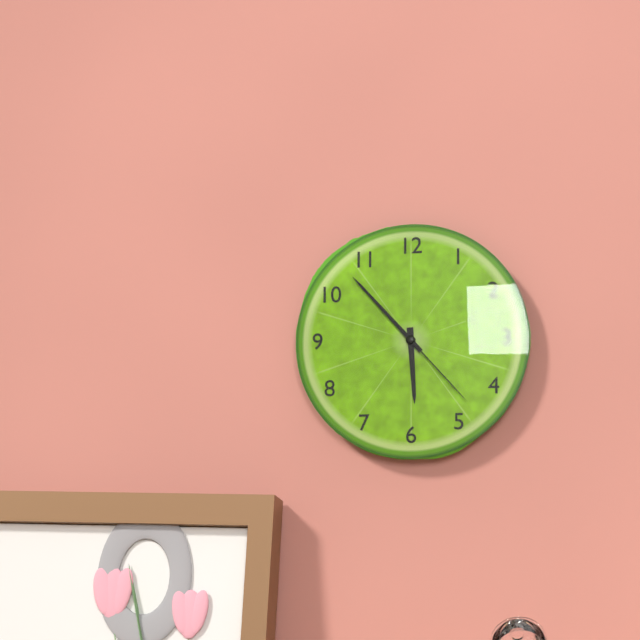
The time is 5,53,23
